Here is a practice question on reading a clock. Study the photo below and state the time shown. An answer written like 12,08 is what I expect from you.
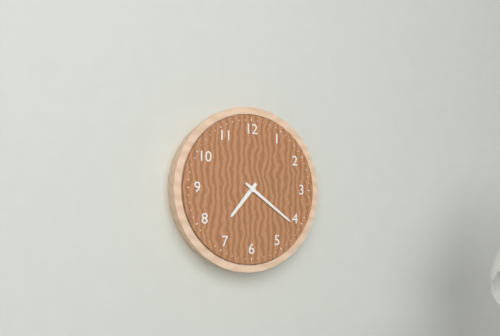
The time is 7,21
